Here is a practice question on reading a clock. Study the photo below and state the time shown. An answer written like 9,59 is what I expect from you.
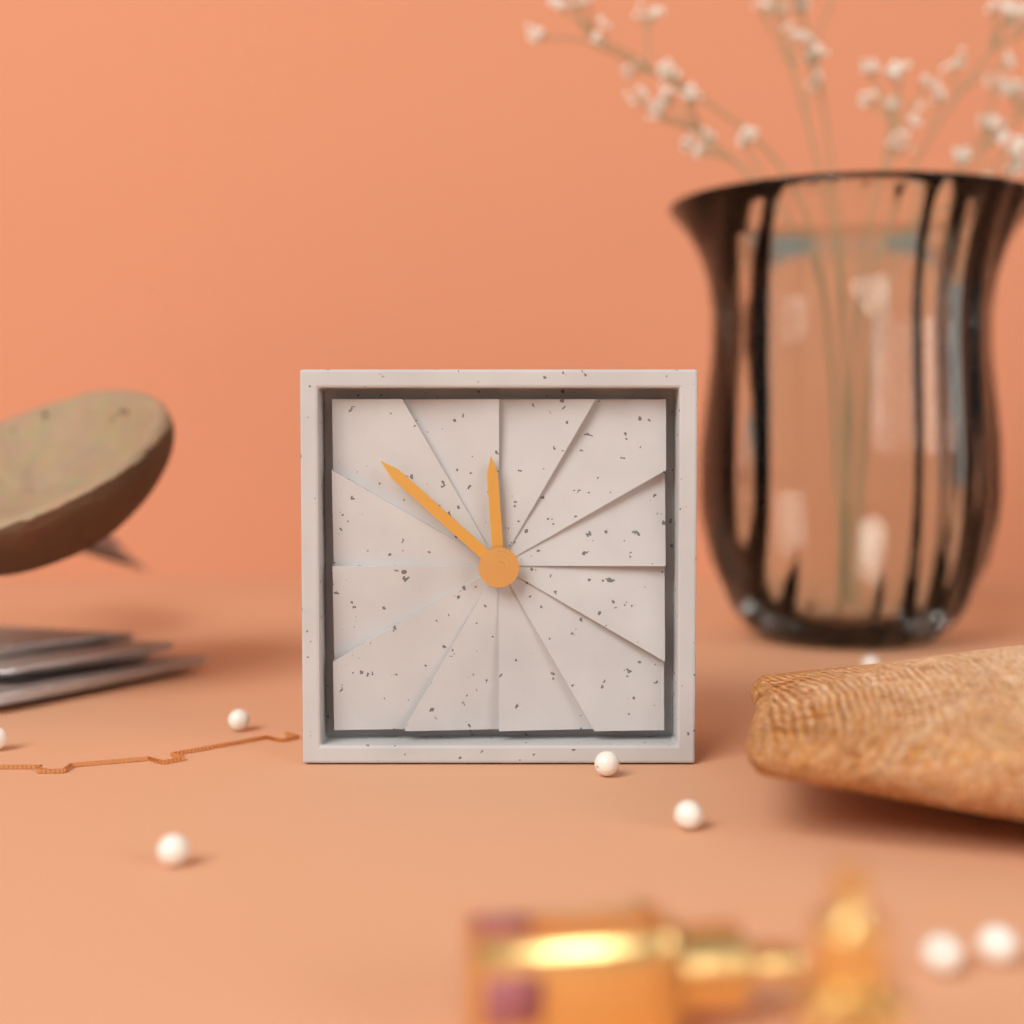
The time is 11,52
